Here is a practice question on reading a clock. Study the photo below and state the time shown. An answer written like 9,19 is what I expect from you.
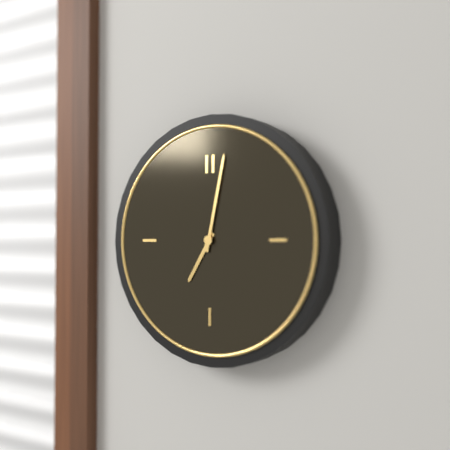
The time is 7,02
